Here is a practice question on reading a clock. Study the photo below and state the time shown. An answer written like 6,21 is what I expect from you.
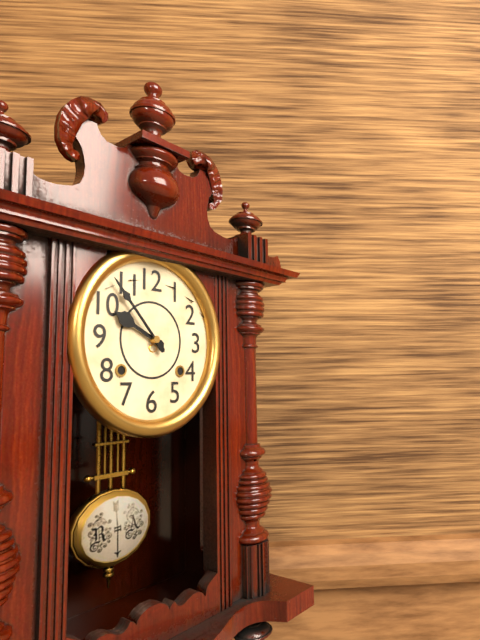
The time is 9,53
